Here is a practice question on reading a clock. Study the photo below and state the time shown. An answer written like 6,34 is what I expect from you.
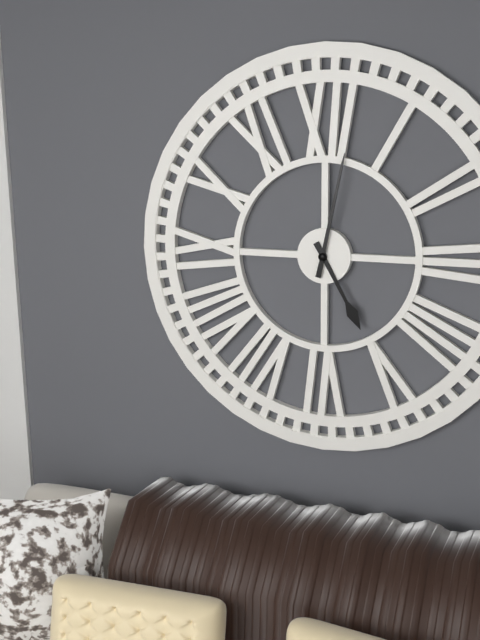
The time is 5,02
